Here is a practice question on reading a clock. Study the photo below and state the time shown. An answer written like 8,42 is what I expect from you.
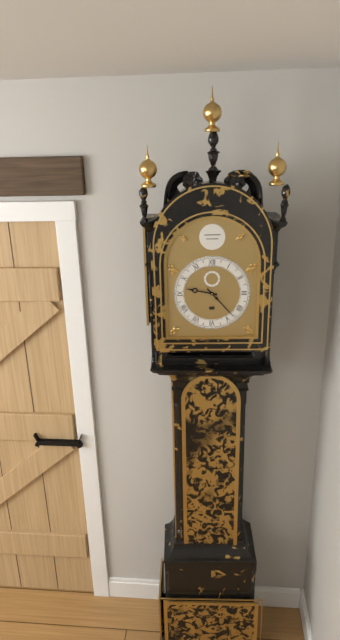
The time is 9,23
